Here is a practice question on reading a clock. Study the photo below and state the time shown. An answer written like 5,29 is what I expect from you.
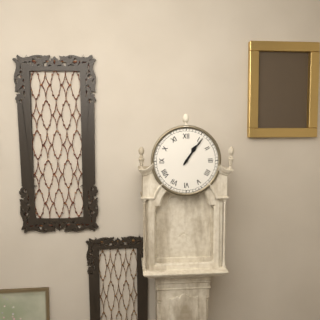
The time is 1,06
